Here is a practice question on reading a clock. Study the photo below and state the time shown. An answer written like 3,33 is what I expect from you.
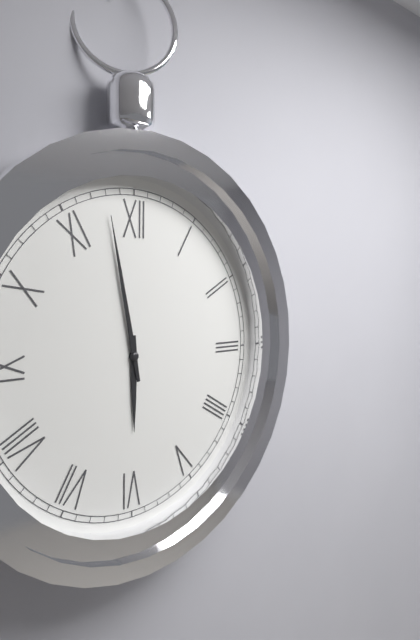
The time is 5,58
